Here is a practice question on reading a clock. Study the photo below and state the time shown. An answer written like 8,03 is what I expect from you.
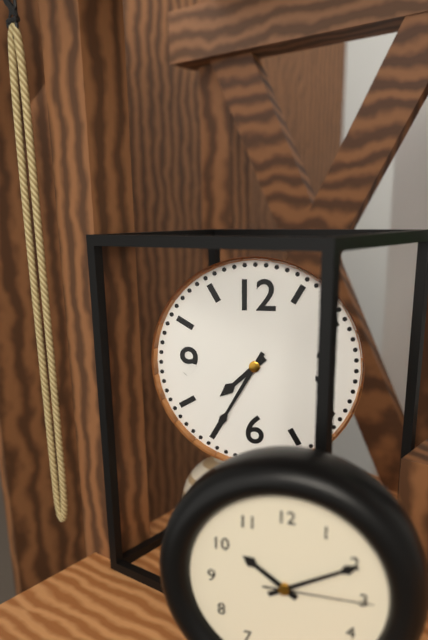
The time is 7,35
